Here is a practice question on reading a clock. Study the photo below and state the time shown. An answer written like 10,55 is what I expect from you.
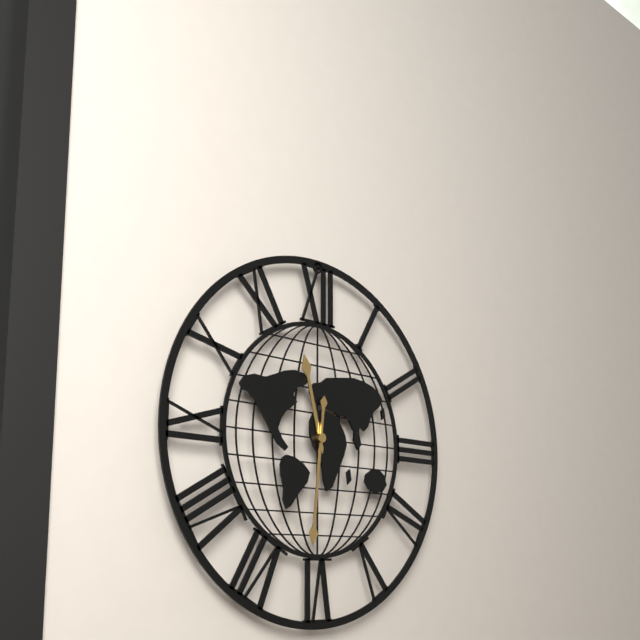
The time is 11,31
